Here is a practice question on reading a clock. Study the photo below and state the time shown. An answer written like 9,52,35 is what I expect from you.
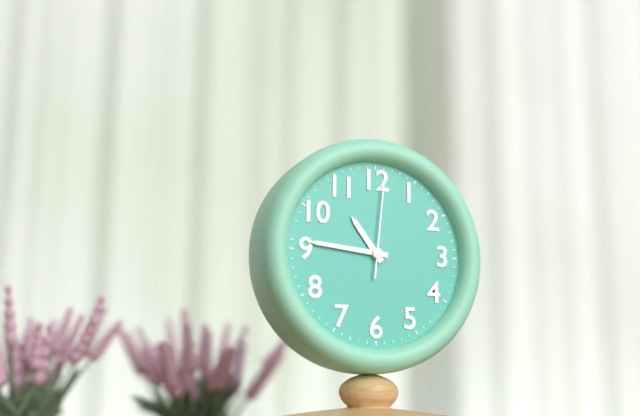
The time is 10,46,01
